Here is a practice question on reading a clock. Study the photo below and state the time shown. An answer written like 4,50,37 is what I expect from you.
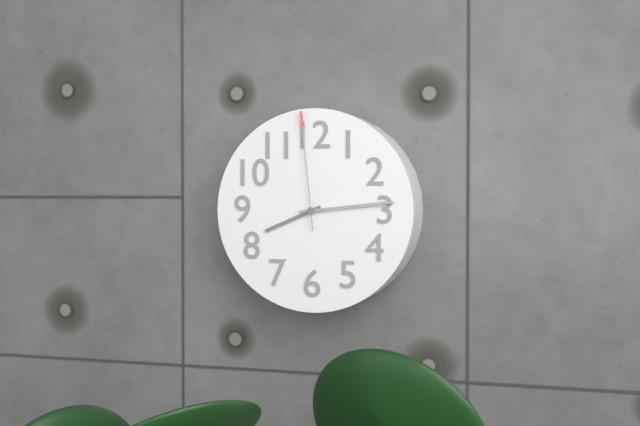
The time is 8,14,59
